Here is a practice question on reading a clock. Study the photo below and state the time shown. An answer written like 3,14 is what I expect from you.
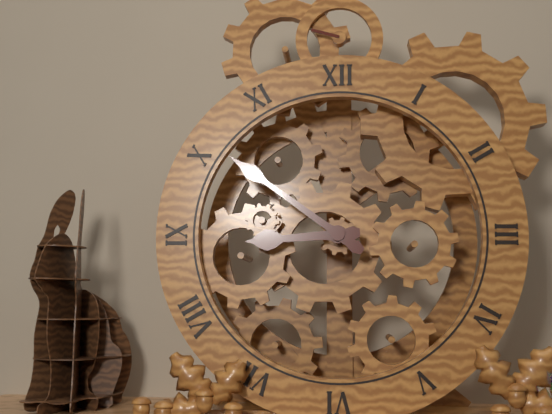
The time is 8,51
